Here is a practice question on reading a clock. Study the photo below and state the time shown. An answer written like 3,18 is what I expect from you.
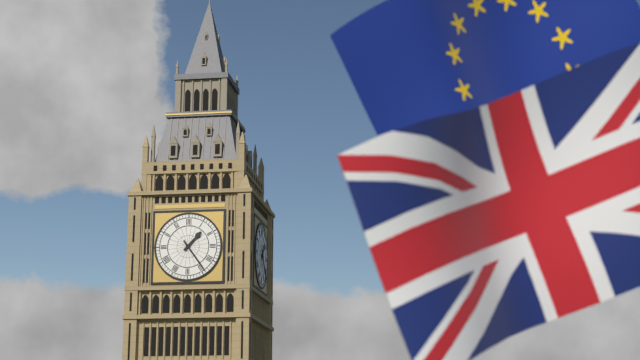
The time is 1,24
